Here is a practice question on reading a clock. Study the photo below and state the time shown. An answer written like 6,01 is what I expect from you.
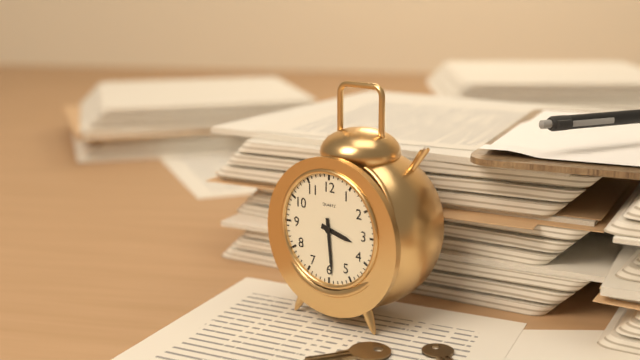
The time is 3,29
